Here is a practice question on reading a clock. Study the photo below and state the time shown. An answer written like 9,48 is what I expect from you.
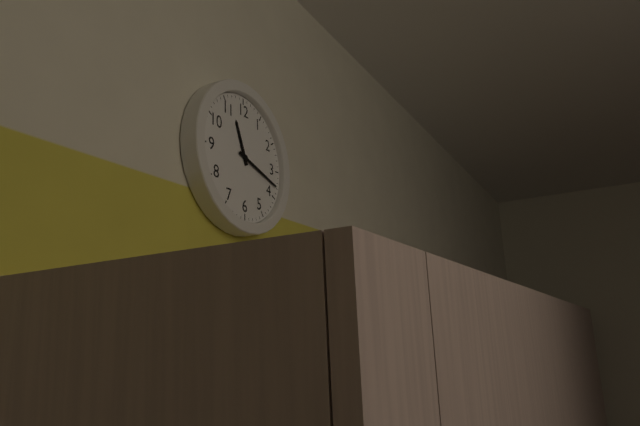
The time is 11,18
